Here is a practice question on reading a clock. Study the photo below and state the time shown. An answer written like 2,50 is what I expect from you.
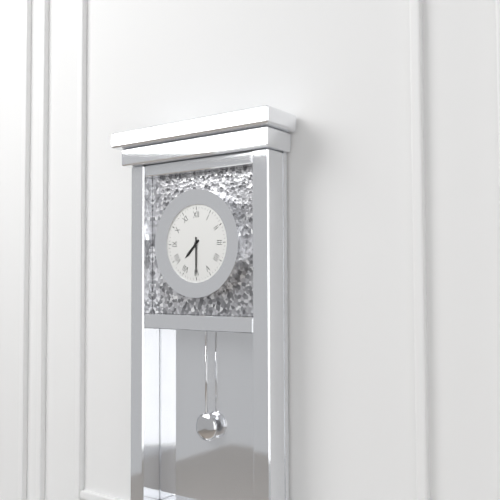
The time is 7,30
